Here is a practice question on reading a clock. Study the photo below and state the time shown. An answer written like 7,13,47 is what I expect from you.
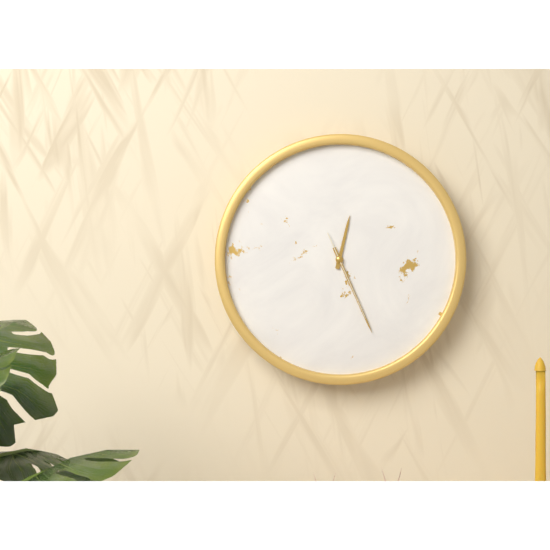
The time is 12,26,26
